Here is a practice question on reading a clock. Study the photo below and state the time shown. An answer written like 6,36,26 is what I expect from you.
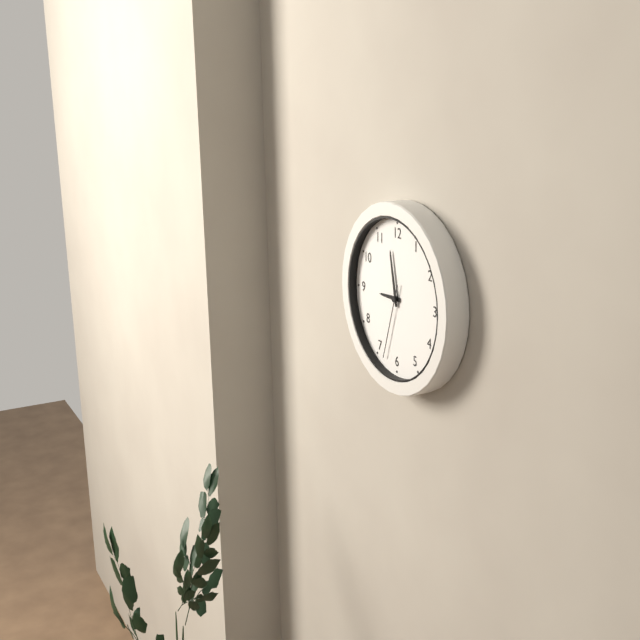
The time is 8,58,33
